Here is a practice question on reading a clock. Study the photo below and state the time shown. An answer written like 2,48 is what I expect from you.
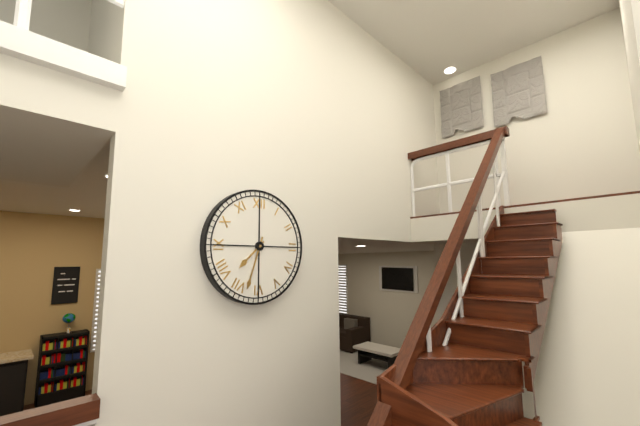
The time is 7,33
